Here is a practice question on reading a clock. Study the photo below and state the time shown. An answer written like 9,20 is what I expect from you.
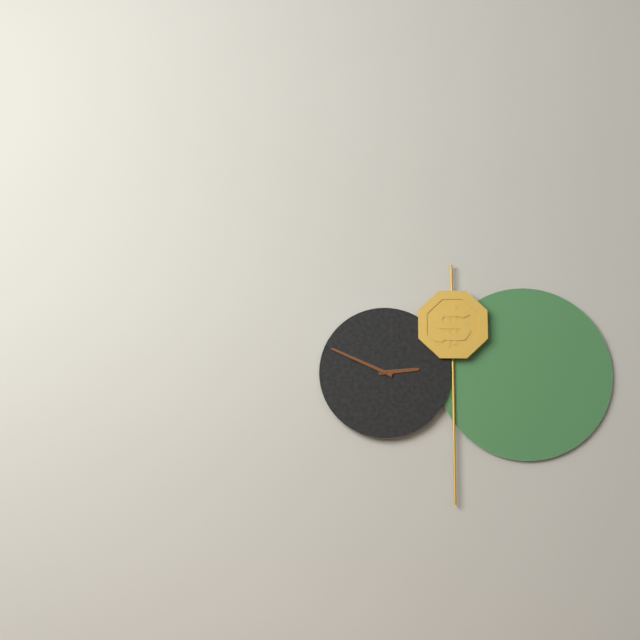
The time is 2,49
